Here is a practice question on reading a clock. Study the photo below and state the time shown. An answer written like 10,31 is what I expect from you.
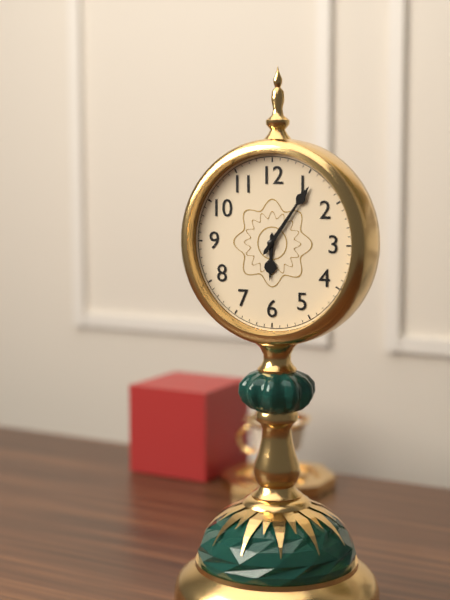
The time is 6,06
